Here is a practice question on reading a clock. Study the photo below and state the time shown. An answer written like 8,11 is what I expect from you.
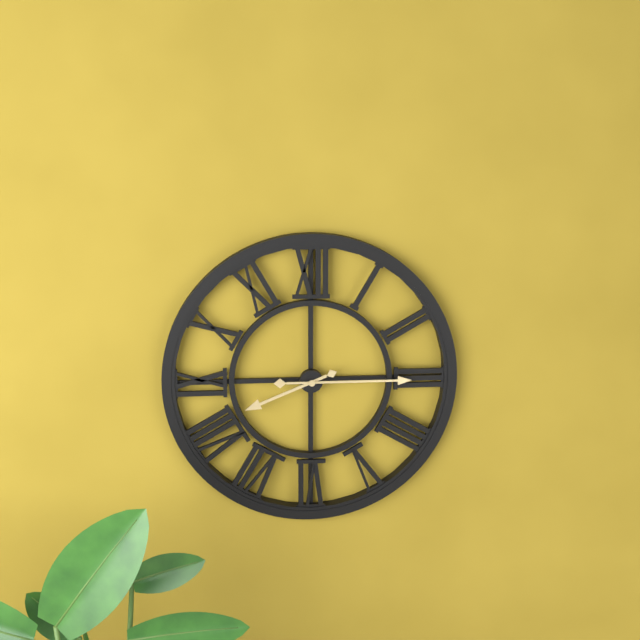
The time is 8,15
